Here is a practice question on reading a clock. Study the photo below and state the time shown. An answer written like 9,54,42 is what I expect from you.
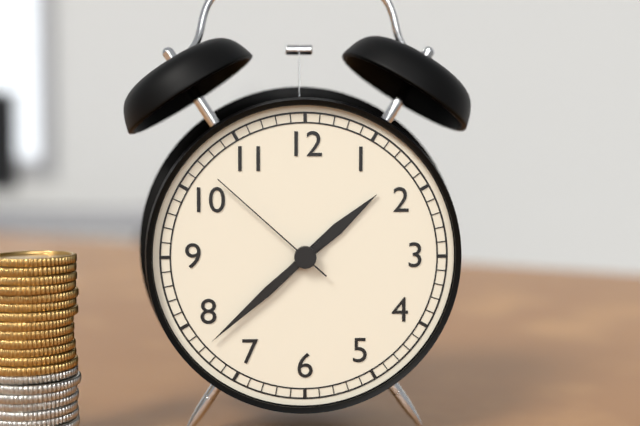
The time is 1,38,52
